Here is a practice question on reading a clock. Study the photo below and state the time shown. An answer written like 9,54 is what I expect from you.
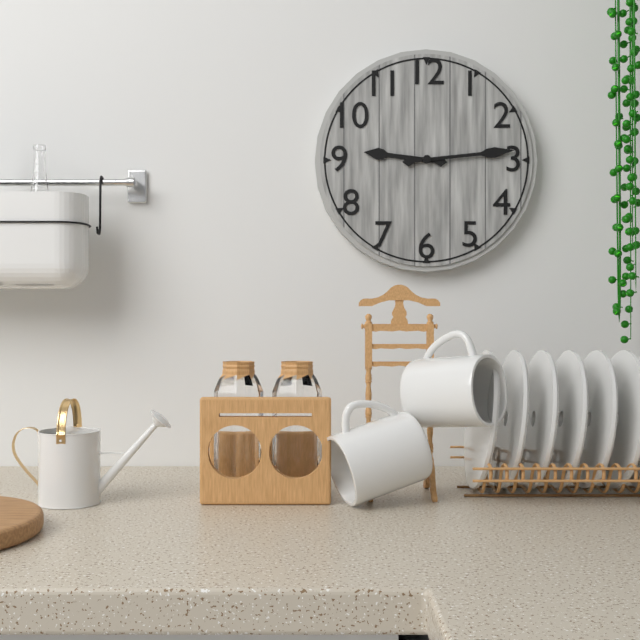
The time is 9,14
